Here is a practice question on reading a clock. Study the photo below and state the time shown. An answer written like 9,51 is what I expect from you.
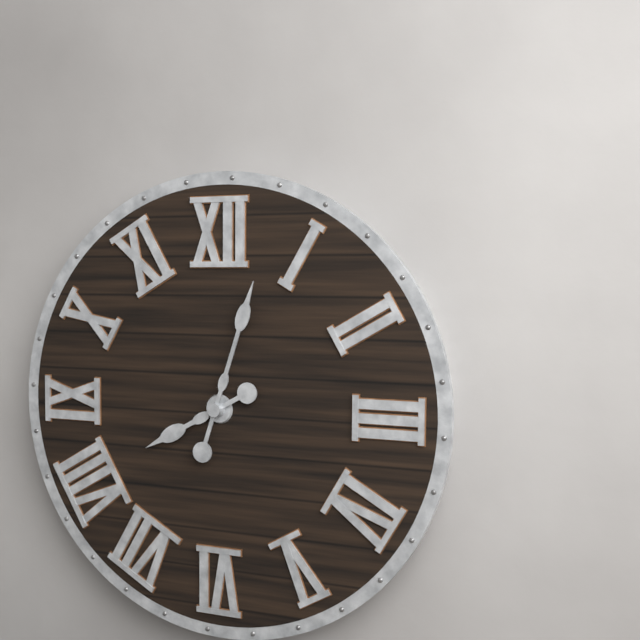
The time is 8,03
